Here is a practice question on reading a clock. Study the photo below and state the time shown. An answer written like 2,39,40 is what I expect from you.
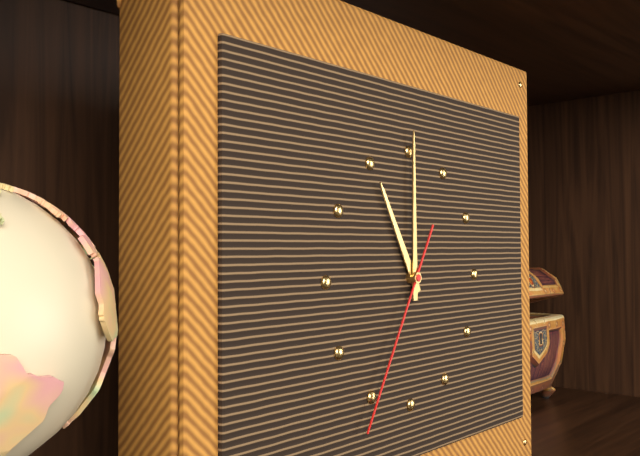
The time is 11,00,35
